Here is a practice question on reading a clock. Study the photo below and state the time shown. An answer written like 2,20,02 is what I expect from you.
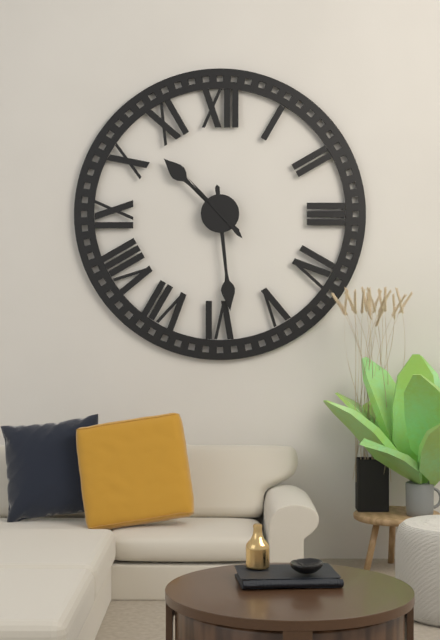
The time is 10,29,53
